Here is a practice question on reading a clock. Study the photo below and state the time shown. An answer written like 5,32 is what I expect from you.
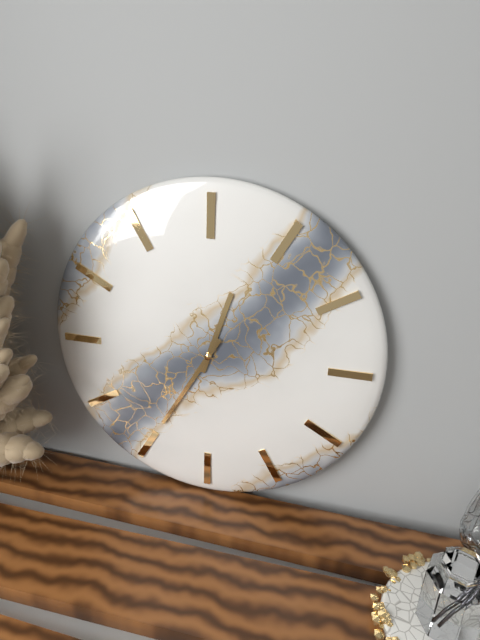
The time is 12,35
